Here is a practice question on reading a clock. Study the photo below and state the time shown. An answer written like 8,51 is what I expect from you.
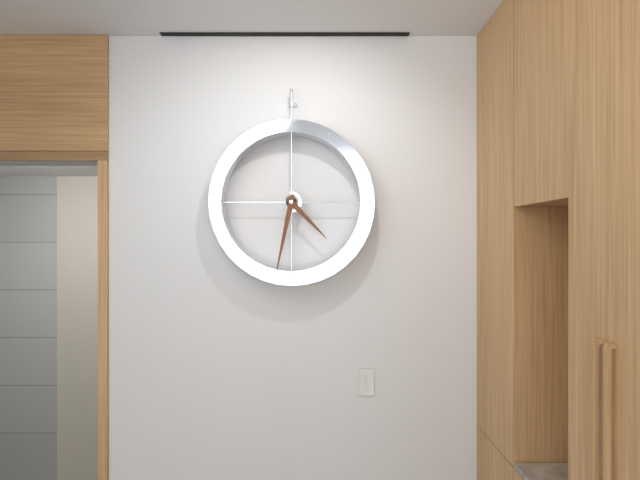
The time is 4,32
